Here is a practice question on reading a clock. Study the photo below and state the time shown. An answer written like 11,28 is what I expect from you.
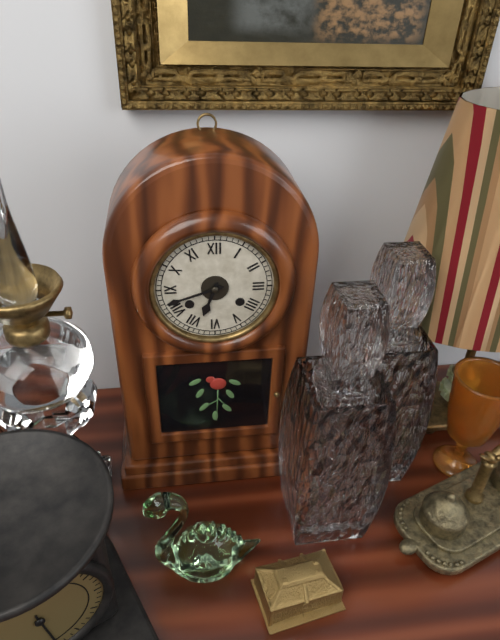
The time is 6,42
